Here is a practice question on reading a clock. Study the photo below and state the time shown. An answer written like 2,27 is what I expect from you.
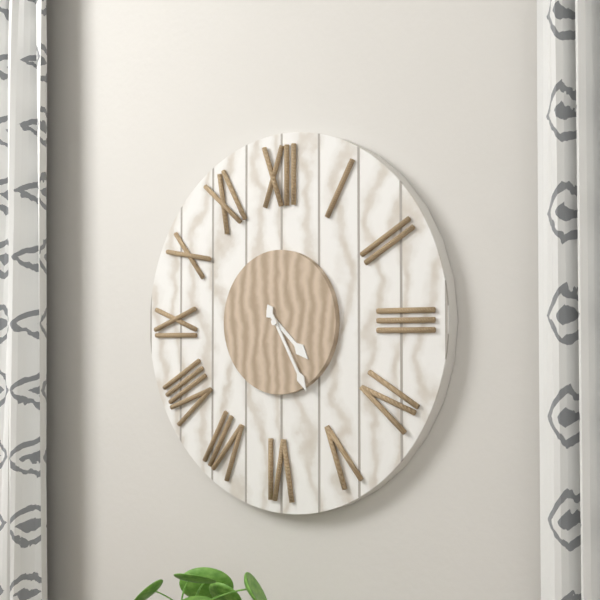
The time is 4,25
